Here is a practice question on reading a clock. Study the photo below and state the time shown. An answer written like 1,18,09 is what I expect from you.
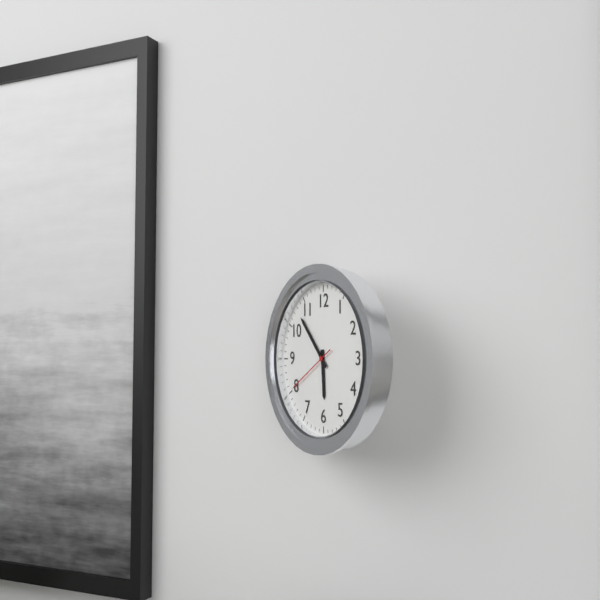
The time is 5,53,40
